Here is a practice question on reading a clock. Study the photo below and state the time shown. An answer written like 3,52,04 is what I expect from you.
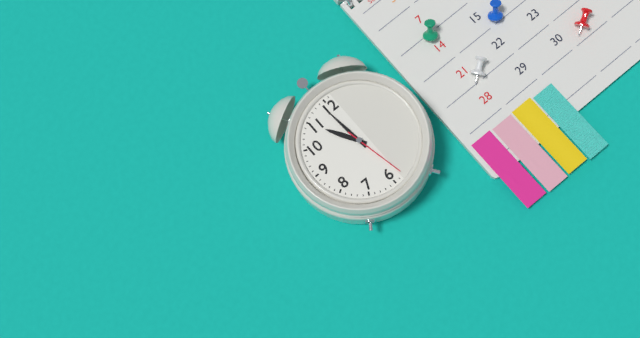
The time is 10,59,28
